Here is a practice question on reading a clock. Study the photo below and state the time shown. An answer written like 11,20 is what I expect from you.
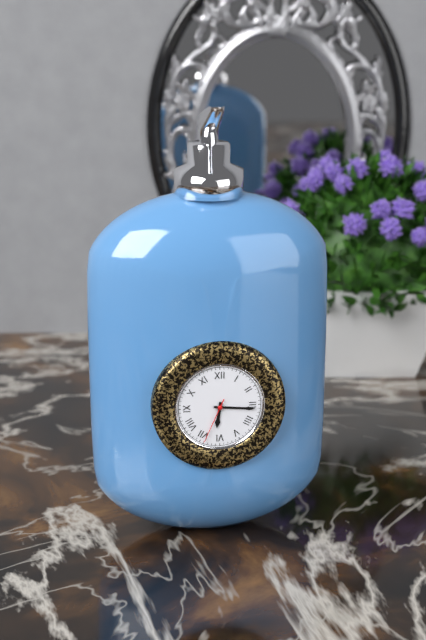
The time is 6,16
